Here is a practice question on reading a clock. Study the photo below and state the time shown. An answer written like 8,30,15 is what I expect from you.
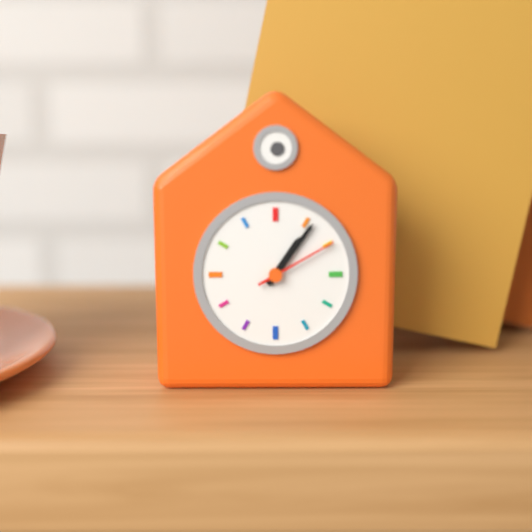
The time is 1,06,10
